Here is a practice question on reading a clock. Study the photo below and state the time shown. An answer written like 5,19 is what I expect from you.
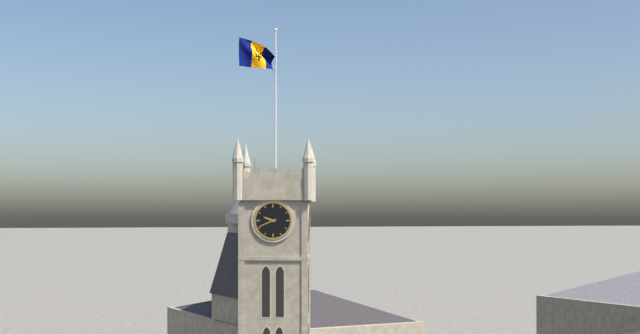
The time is 9,41
